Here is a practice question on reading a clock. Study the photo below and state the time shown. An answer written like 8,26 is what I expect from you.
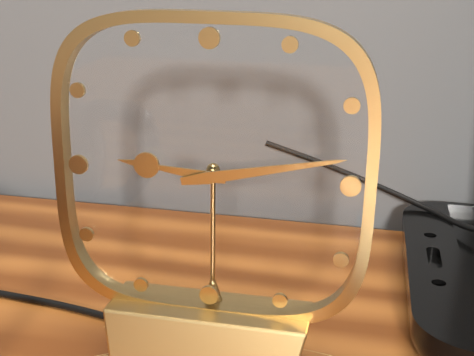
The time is 9,13
